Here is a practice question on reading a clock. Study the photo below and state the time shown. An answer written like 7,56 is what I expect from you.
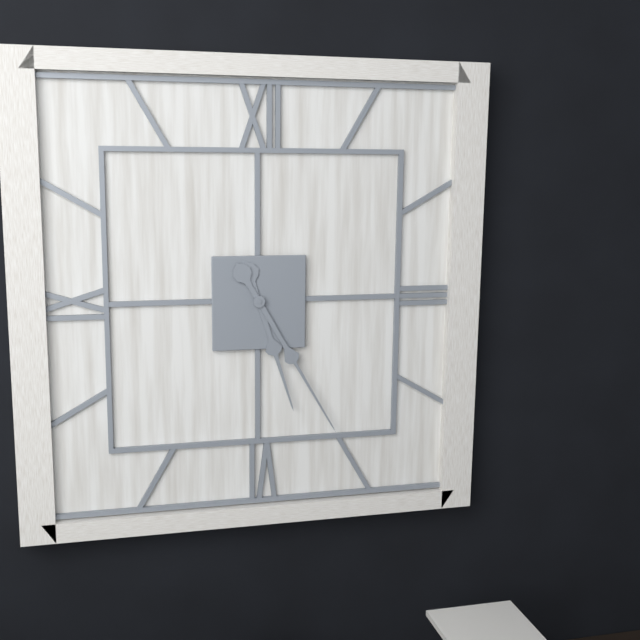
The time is 5,25
